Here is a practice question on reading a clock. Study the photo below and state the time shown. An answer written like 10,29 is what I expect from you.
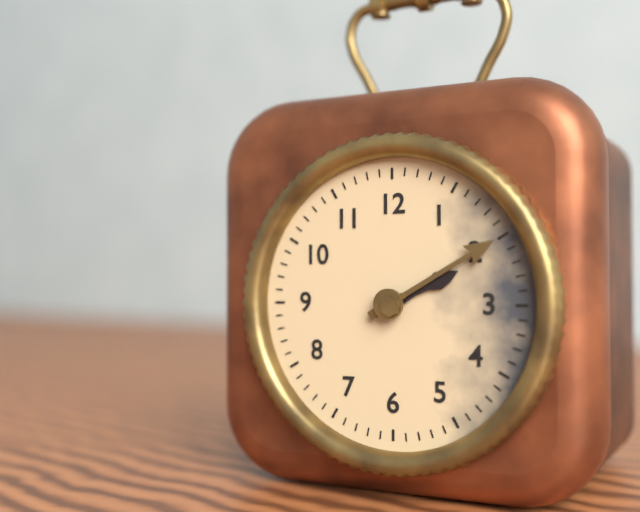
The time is 2,10
